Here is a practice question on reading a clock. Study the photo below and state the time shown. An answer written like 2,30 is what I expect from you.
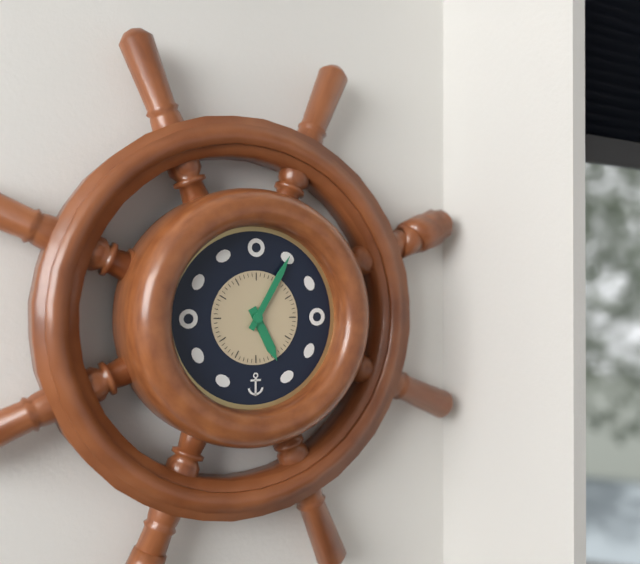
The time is 5,05
